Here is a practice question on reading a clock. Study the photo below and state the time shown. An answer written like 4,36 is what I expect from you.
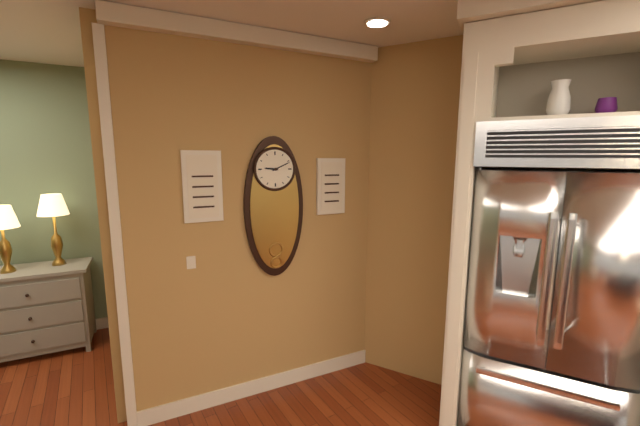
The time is 9,11
